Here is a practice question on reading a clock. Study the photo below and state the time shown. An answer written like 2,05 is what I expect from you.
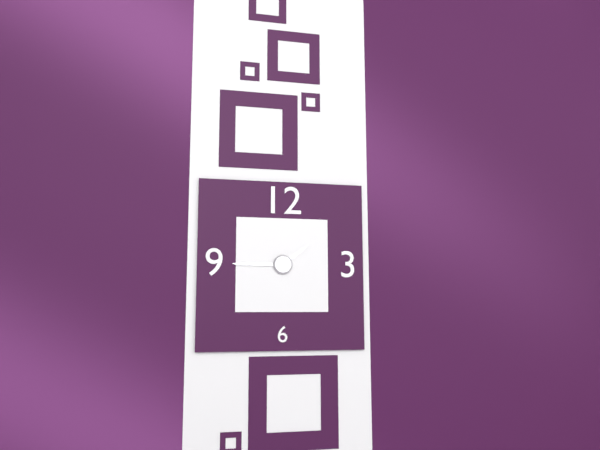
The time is 1,45
